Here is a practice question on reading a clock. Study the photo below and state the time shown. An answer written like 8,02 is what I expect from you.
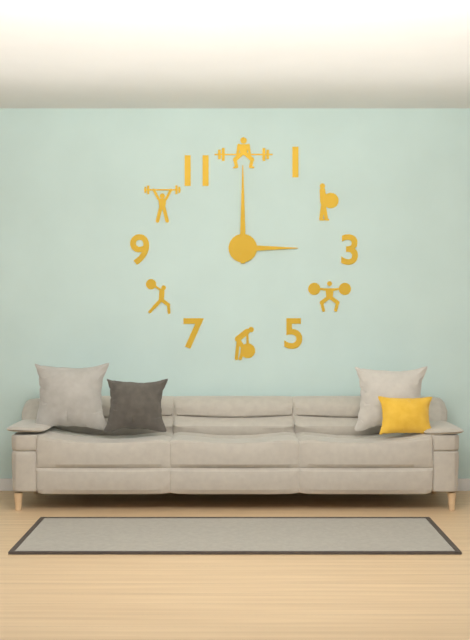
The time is 3,00
